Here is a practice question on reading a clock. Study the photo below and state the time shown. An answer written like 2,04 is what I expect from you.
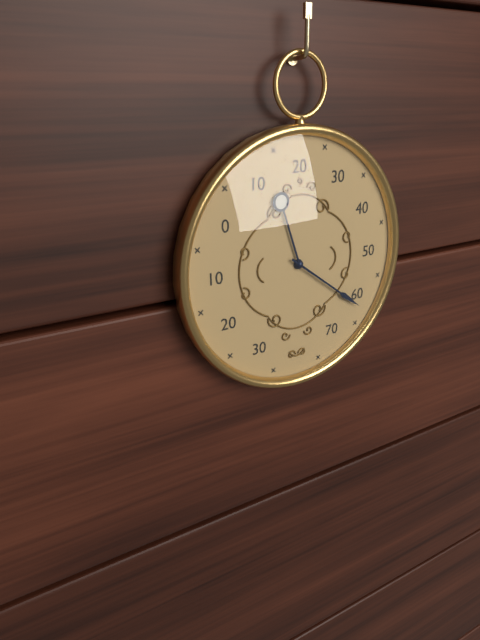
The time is 11,21
